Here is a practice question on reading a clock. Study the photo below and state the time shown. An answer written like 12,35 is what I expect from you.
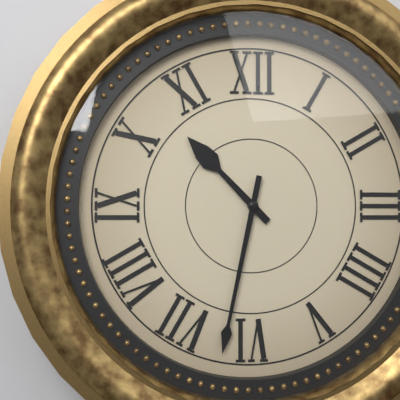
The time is 10,32
